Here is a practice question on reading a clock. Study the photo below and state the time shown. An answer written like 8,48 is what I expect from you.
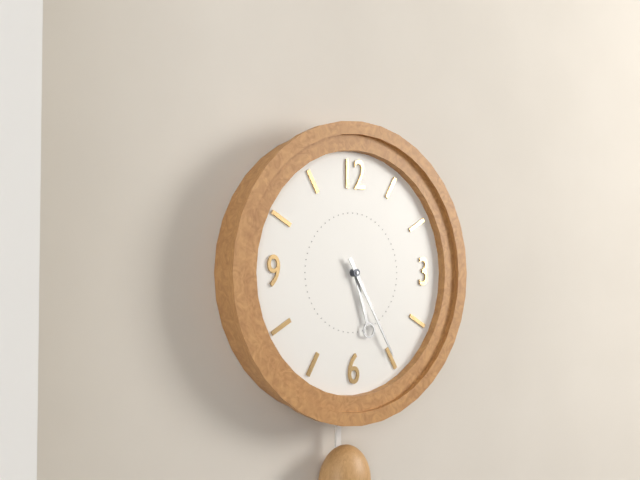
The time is 5,25
